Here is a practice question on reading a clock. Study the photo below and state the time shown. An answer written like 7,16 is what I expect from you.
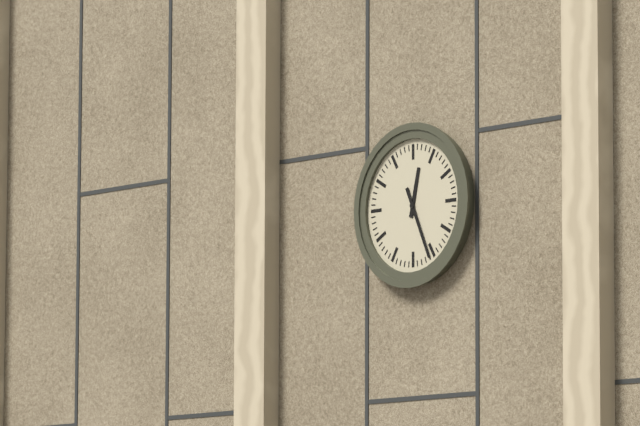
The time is 12,26
